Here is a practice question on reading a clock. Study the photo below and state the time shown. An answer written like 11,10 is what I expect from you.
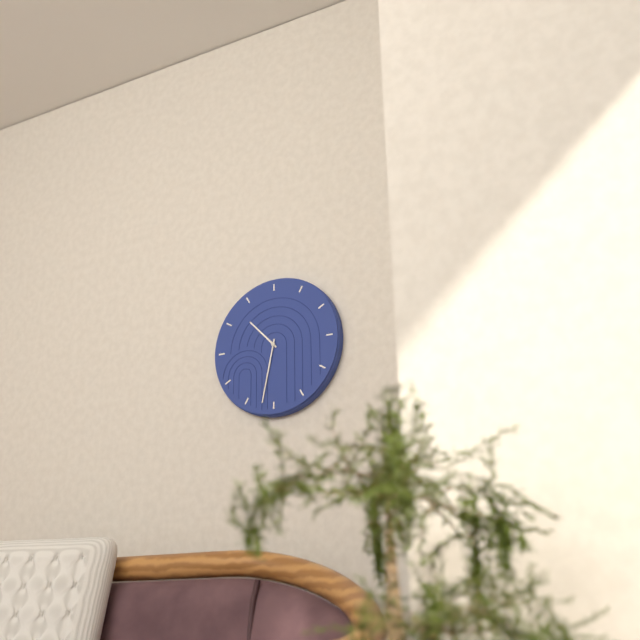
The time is 10,32
